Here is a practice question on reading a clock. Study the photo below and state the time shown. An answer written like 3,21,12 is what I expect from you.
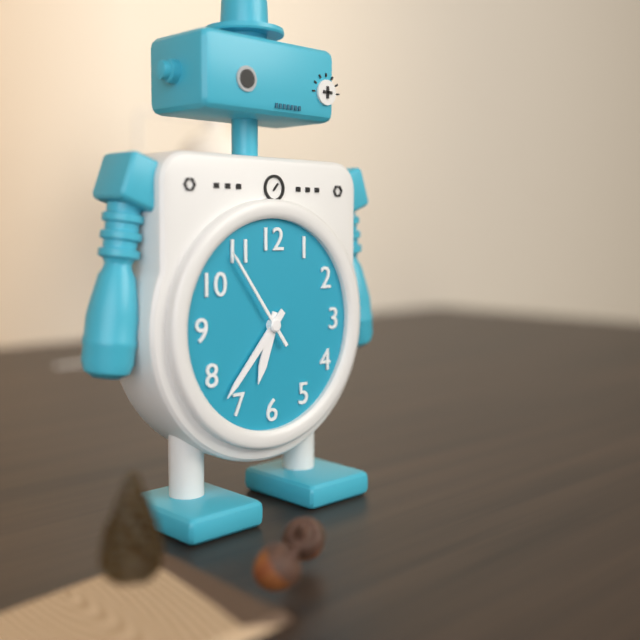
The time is 6,37,54
